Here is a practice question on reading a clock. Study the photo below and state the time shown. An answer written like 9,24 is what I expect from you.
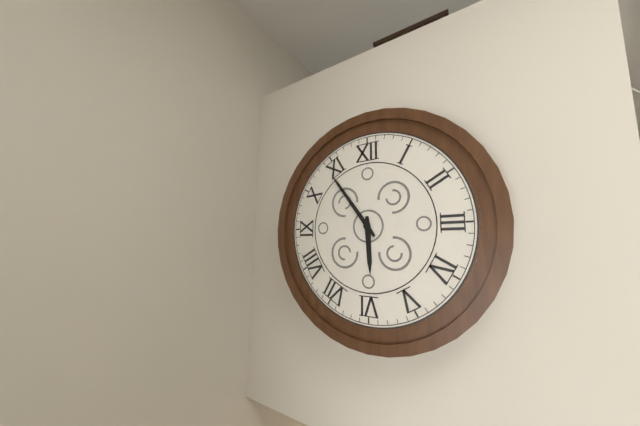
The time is 5,54
